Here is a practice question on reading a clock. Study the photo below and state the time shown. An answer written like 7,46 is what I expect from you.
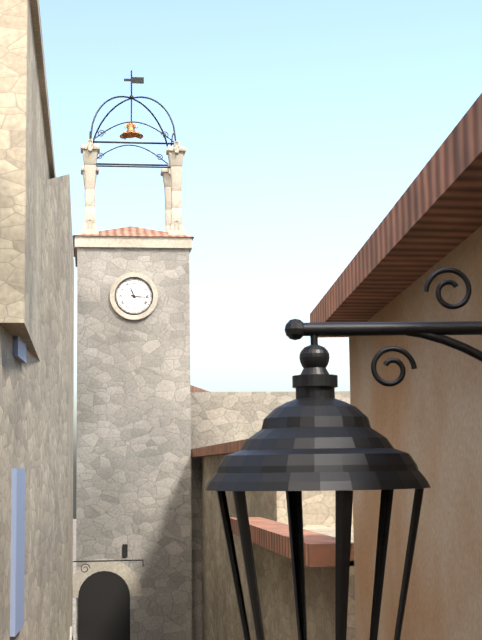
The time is 11,16
